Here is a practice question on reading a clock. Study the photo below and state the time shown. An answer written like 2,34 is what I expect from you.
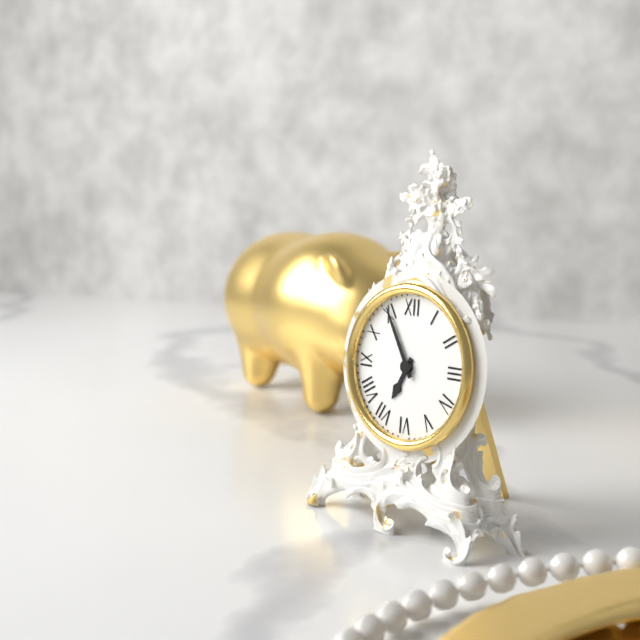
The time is 6,55
